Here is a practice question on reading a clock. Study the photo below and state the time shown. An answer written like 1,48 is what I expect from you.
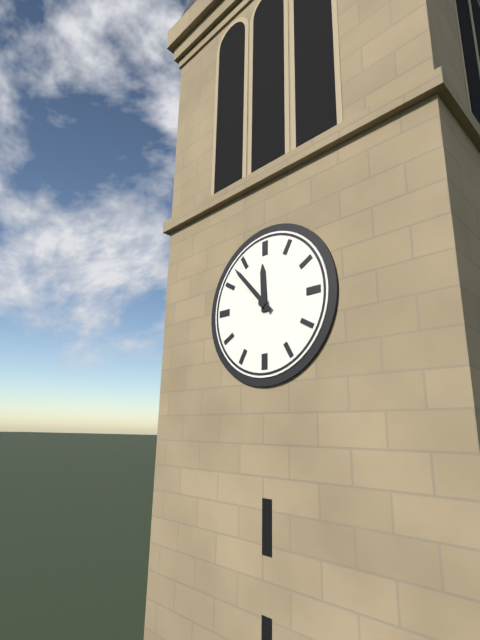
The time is 11,53
